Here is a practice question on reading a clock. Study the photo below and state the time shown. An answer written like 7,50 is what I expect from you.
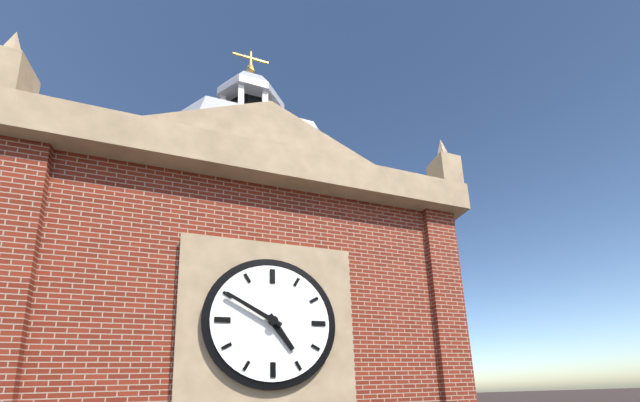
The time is 4,50
